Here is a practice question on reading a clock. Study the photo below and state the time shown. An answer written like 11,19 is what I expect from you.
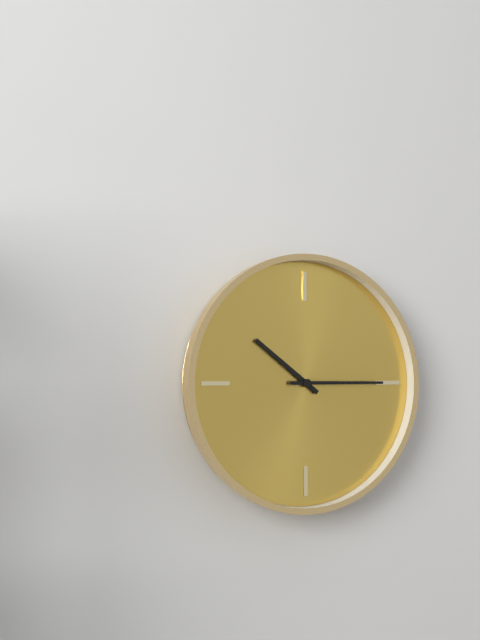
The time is 10,15
